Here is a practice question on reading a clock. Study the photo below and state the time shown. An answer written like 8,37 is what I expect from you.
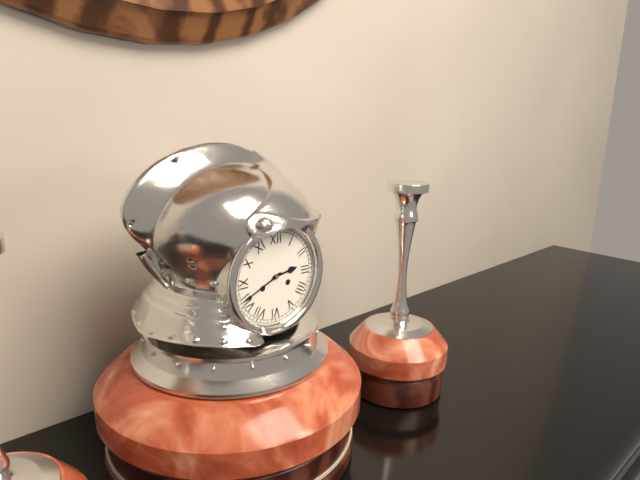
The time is 2,41
